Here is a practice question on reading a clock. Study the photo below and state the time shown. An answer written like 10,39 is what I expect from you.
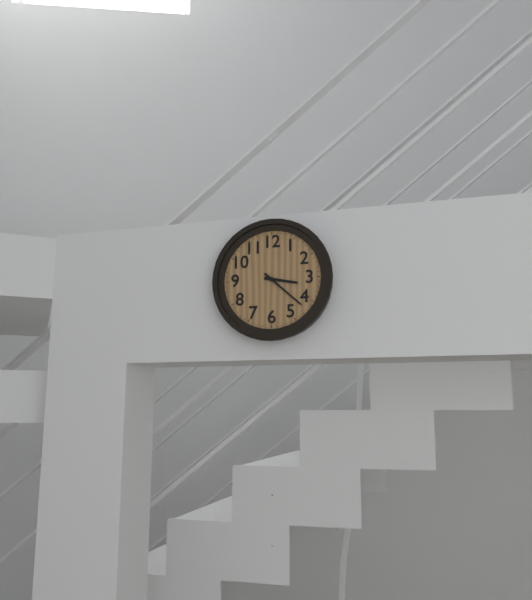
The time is 3,22
